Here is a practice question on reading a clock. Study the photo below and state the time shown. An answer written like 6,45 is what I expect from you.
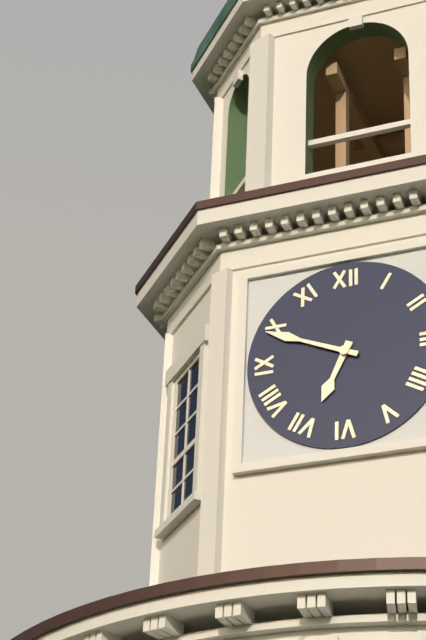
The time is 6,49
